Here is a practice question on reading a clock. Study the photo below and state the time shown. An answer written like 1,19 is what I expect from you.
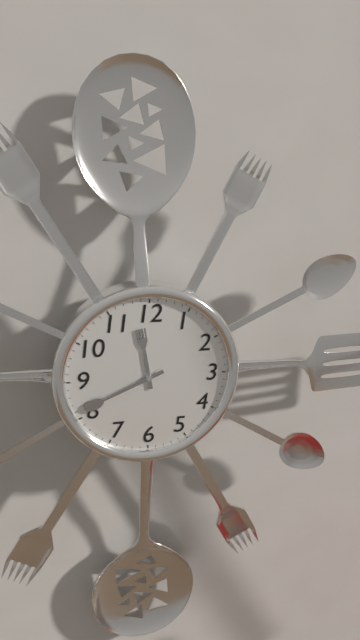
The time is 11,41
